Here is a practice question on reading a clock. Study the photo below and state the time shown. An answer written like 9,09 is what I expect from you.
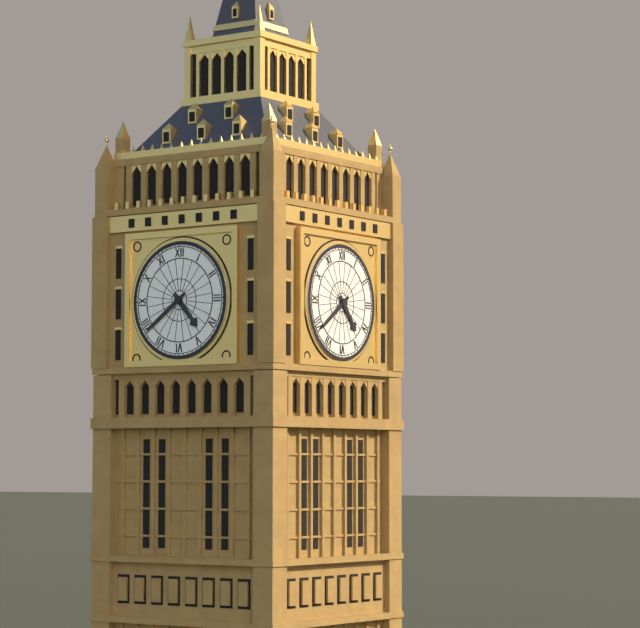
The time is 4,39
